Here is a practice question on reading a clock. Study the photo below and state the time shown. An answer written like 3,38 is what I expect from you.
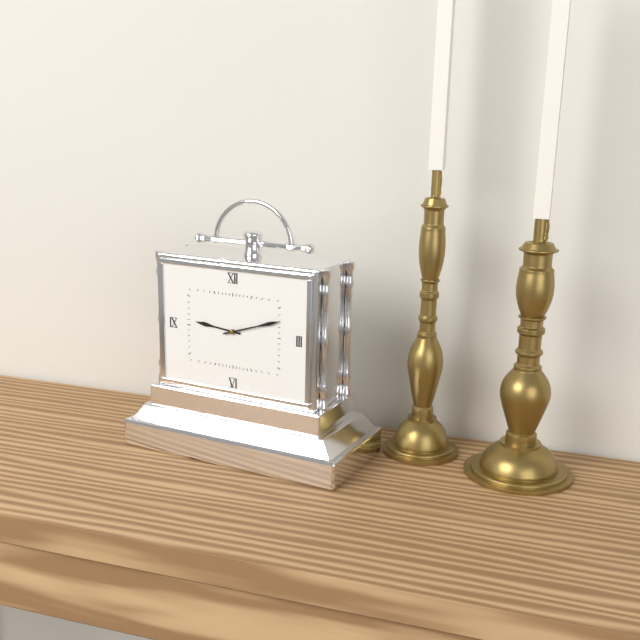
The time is 9,12
